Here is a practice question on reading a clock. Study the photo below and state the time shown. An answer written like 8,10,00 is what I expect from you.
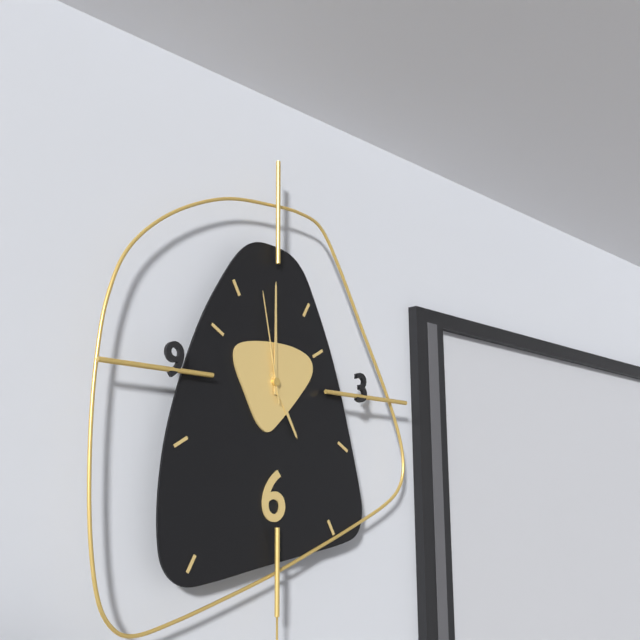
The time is 5,00,58
